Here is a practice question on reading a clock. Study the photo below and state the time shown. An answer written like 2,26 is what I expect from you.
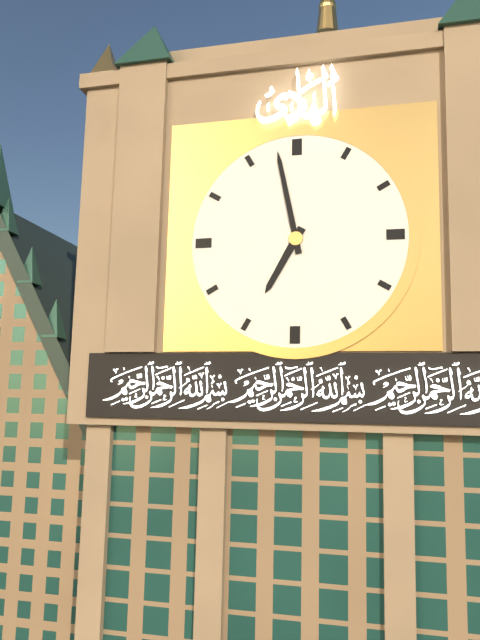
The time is 6,58
